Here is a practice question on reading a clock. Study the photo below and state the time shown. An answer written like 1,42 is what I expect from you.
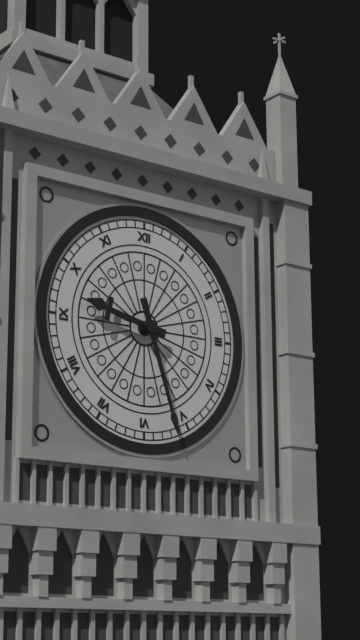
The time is 9,27
